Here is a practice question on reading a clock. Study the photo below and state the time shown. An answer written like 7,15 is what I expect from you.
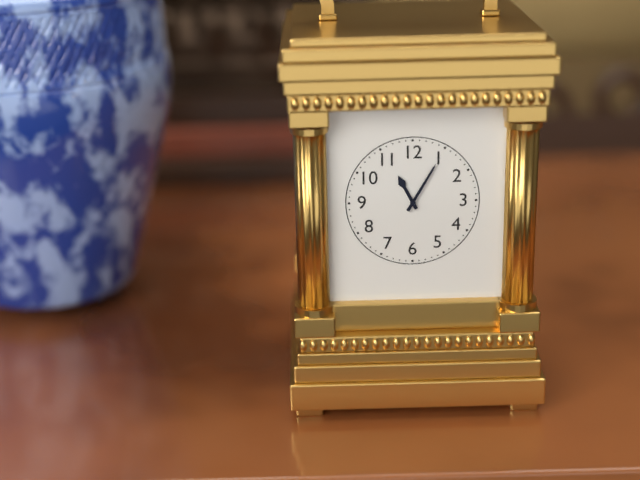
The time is 11,05
